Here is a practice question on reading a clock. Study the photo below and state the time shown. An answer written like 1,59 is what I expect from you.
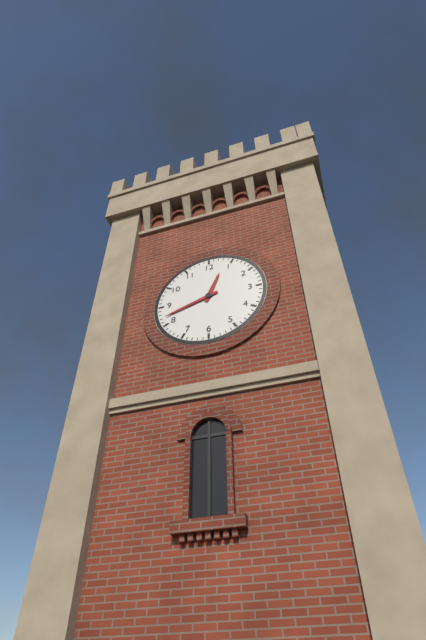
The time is 12,42
